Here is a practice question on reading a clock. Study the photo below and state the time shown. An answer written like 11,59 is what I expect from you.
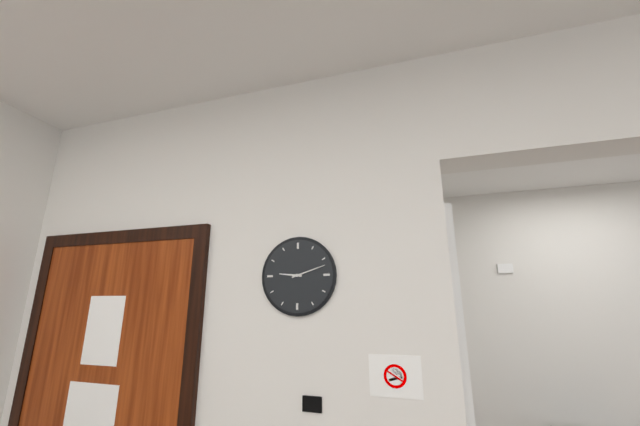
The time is 9,12
